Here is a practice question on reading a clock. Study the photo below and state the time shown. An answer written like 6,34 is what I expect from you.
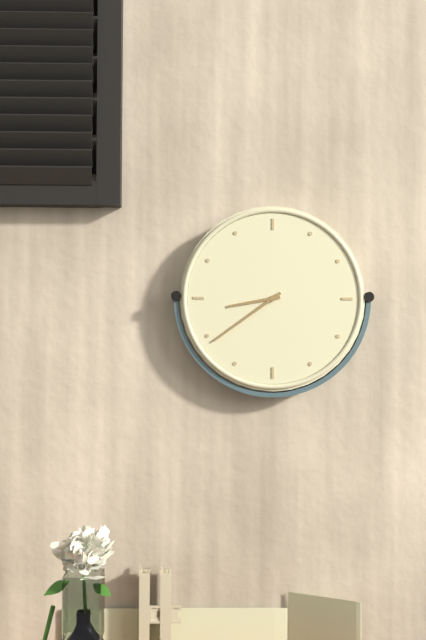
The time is 8,39
